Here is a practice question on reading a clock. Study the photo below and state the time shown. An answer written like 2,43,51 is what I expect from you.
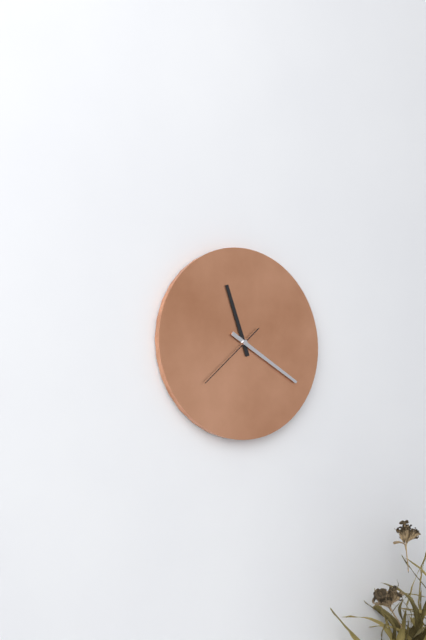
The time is 11,20,38
